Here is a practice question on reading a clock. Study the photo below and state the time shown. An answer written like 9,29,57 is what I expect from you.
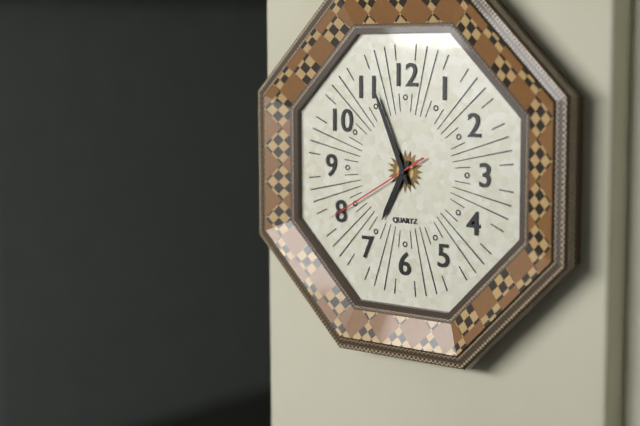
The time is 6,56,40
